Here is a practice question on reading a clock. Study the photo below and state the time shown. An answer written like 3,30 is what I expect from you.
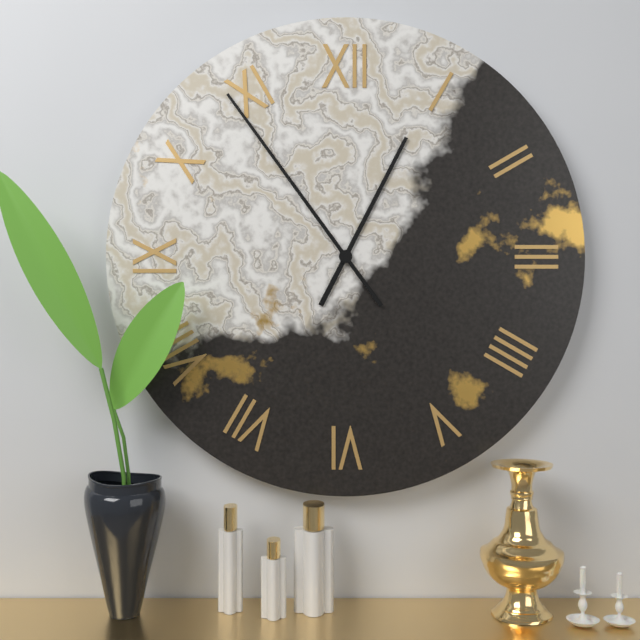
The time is 12,54
